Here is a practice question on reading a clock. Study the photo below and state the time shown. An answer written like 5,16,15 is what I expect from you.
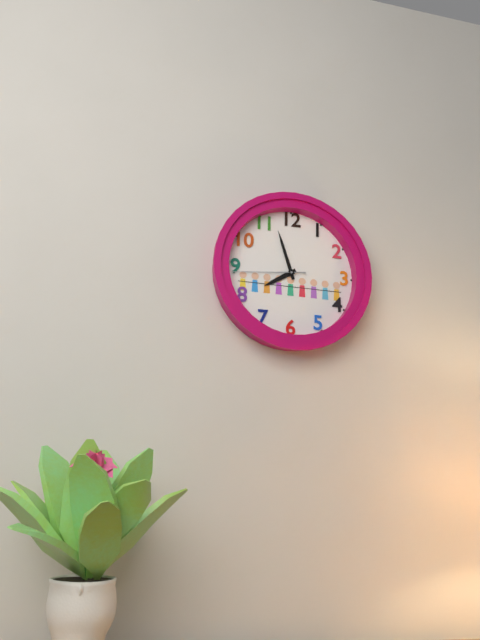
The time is 7,57,44
